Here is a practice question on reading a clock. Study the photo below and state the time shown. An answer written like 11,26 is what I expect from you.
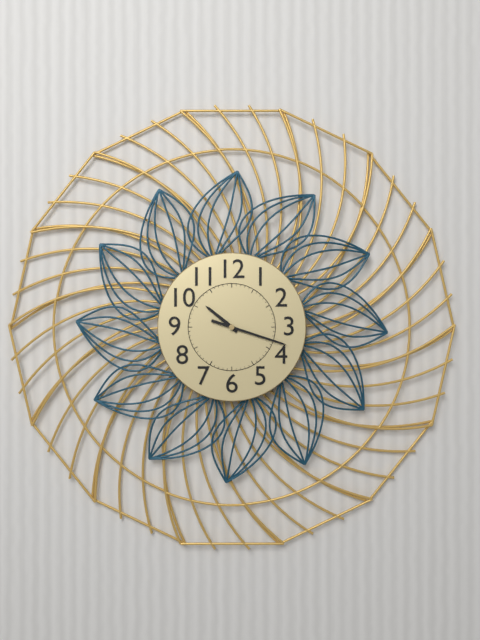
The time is 10,18
